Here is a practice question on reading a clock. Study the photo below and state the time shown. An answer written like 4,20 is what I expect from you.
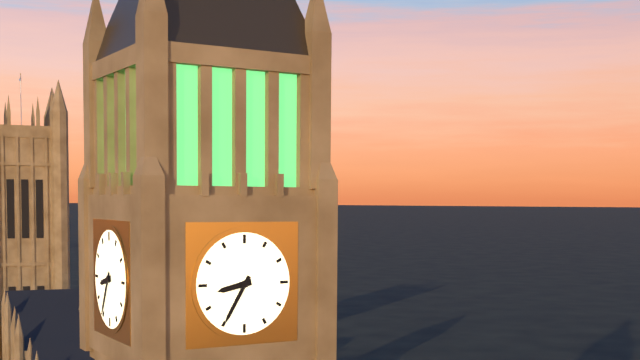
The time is 8,35
